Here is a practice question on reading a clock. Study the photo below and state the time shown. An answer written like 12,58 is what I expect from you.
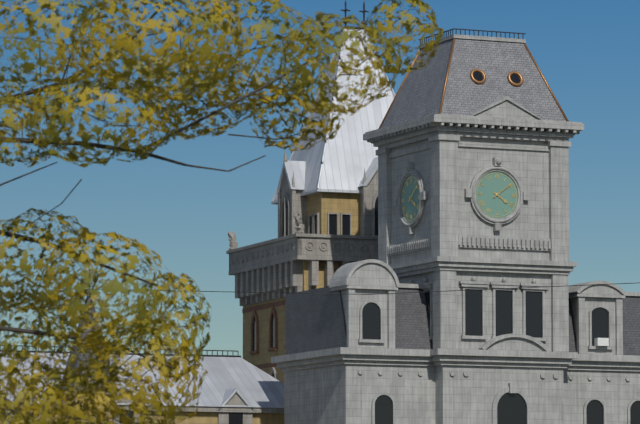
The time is 4,09
